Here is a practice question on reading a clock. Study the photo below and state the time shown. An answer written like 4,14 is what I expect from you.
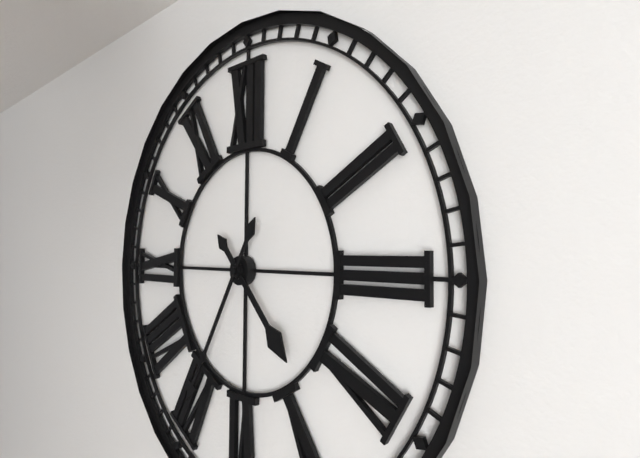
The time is 4,35
